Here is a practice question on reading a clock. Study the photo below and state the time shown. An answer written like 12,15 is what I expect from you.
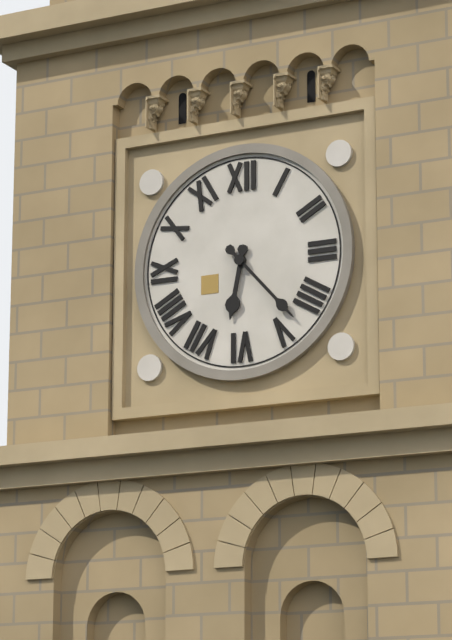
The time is 6,23
